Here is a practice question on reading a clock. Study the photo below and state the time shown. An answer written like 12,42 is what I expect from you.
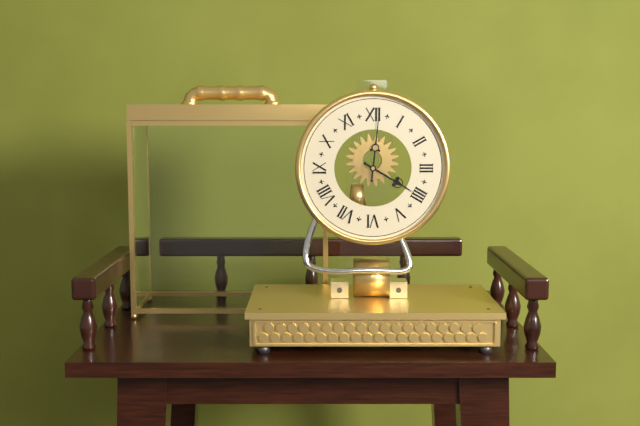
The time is 4,01
